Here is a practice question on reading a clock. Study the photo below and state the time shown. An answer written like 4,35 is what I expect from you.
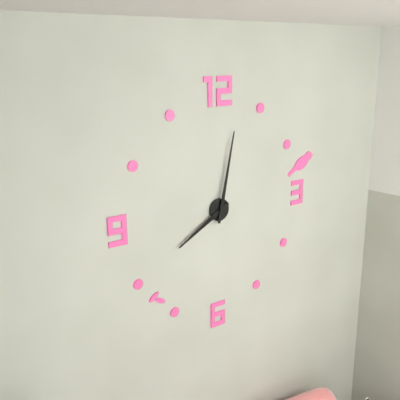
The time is 8,02
